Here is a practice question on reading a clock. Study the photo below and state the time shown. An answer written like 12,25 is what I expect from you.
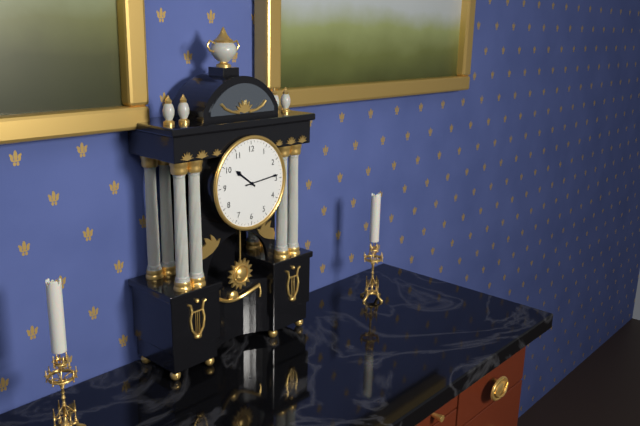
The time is 10,14
